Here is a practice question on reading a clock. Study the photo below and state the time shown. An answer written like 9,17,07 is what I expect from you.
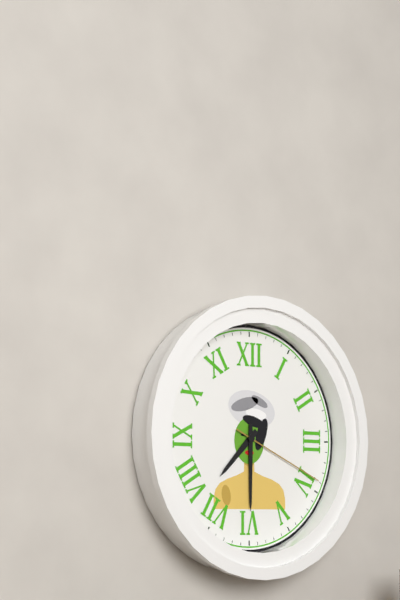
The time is 7,30,19
